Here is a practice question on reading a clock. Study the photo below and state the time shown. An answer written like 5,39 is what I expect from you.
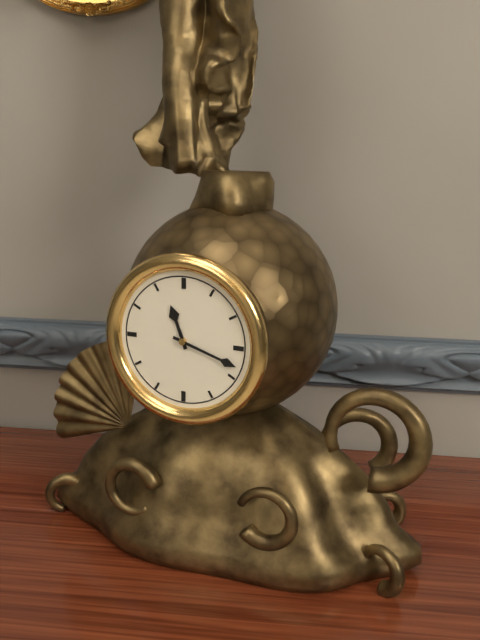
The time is 11,18
